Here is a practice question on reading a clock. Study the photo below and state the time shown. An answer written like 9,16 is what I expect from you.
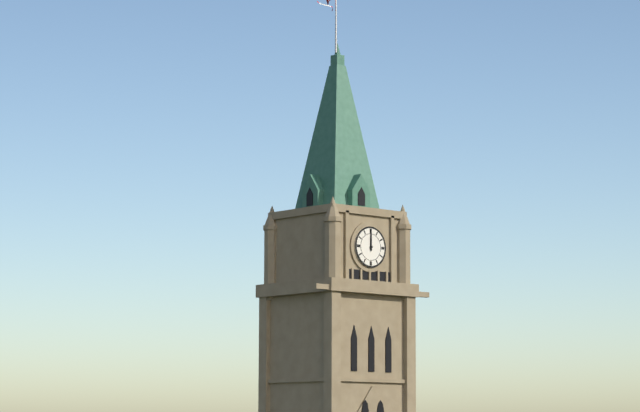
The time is 12,00
